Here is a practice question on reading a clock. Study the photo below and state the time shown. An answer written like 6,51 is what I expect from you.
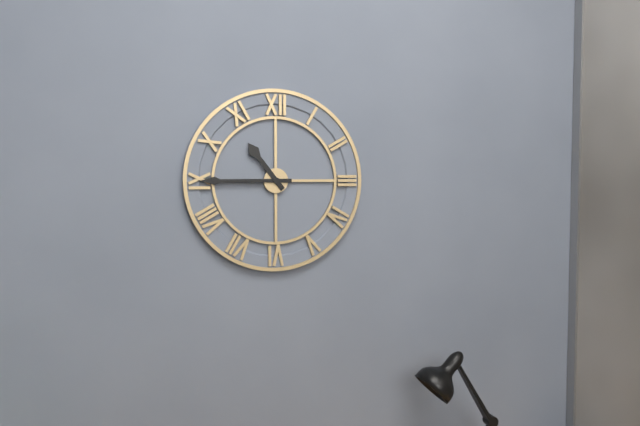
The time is 10,45
